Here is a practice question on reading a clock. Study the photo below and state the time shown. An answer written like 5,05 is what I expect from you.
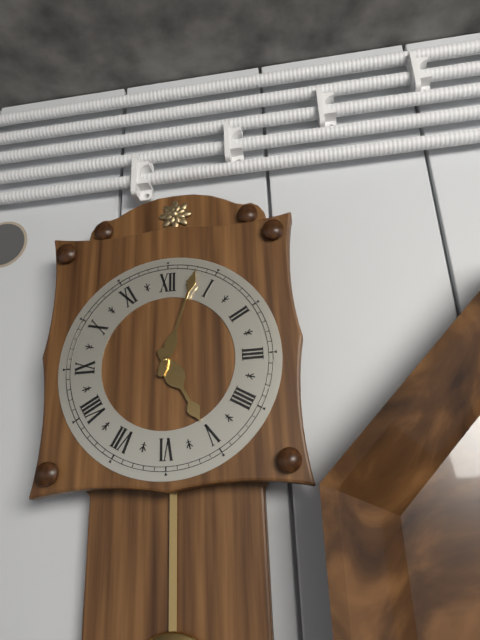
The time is 5,03
